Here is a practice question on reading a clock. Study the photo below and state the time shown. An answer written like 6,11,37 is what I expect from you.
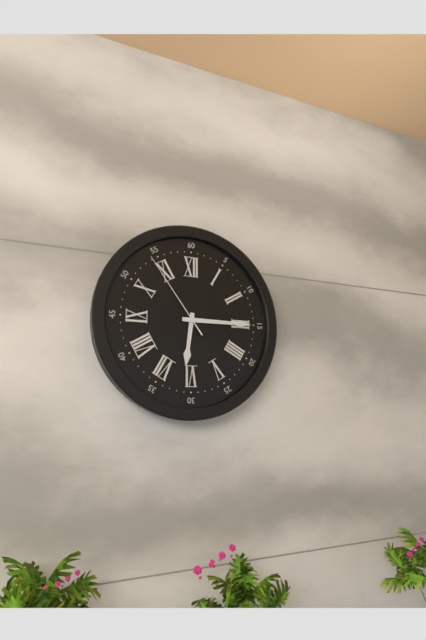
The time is 6,15,54
